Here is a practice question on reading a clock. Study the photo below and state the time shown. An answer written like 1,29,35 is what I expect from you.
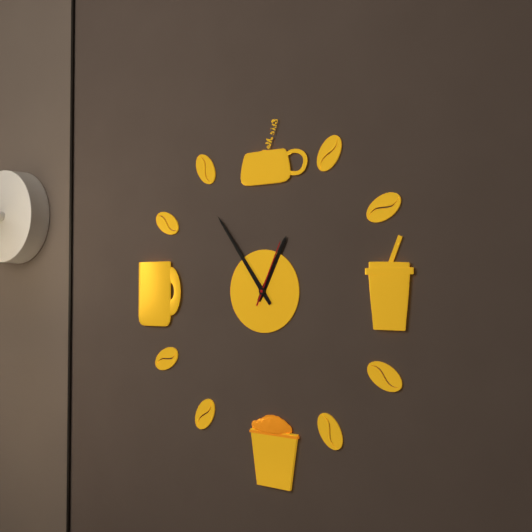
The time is 12,54,04
